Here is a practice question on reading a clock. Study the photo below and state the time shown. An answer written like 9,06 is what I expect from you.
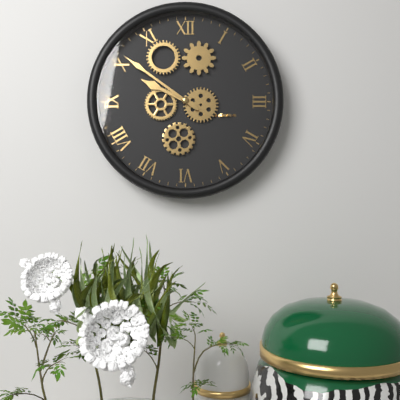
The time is 9,51
